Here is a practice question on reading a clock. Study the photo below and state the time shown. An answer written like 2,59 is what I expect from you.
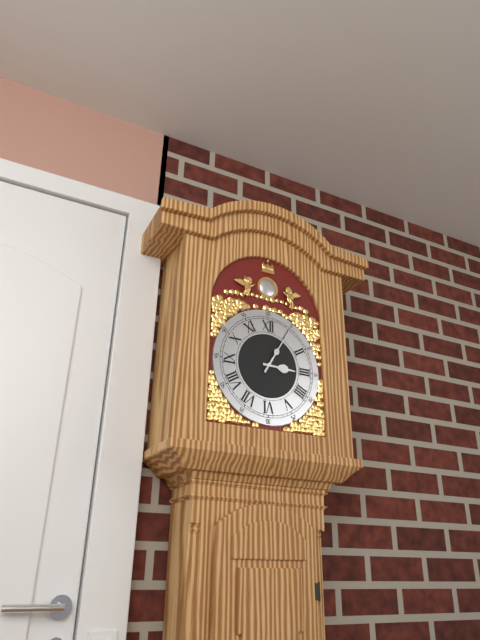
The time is 3,05
